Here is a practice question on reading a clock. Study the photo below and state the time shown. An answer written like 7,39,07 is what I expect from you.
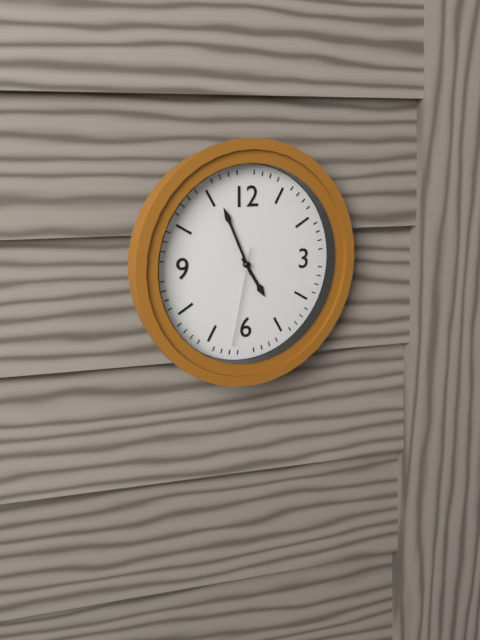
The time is 4,56,32
